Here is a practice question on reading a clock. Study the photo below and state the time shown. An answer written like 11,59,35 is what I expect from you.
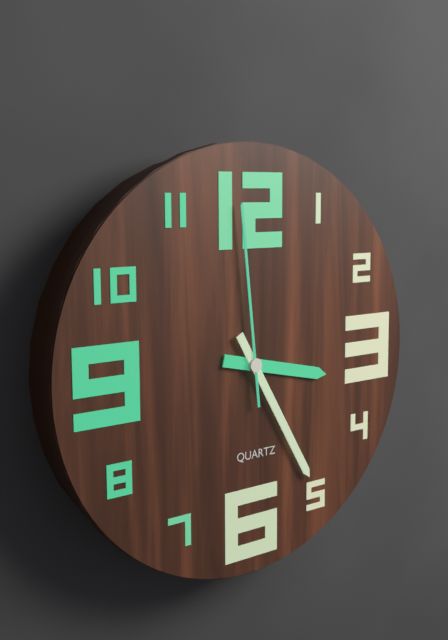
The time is 3,25,59
